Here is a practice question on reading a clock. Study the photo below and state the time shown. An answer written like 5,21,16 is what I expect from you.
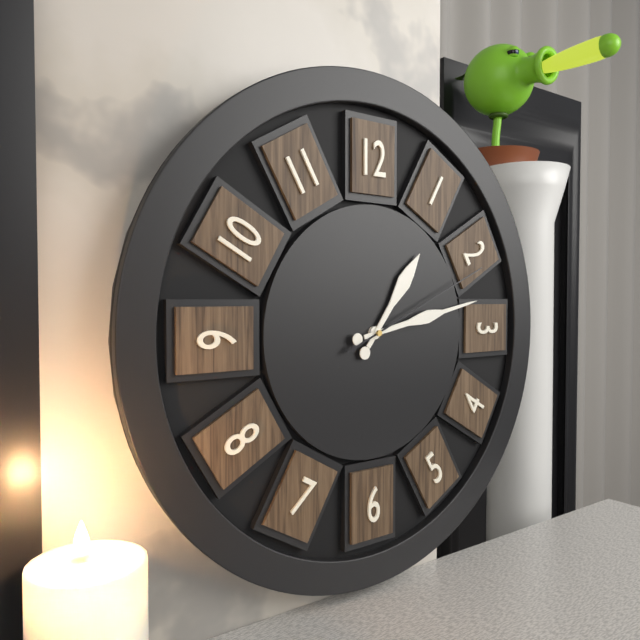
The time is 1,13,11
